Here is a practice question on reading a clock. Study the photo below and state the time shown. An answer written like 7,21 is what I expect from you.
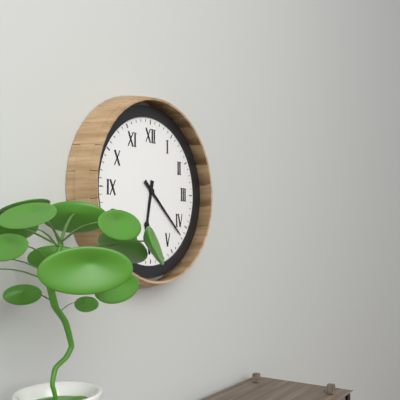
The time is 6,22
